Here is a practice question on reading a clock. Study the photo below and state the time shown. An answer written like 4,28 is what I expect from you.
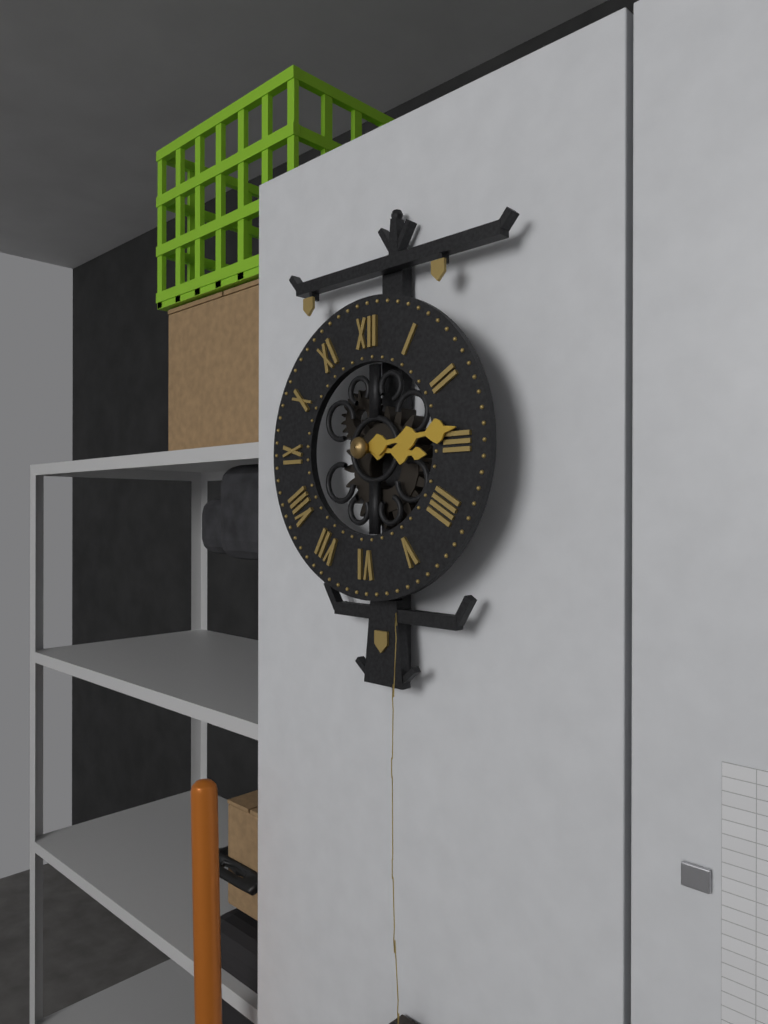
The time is 3,14
